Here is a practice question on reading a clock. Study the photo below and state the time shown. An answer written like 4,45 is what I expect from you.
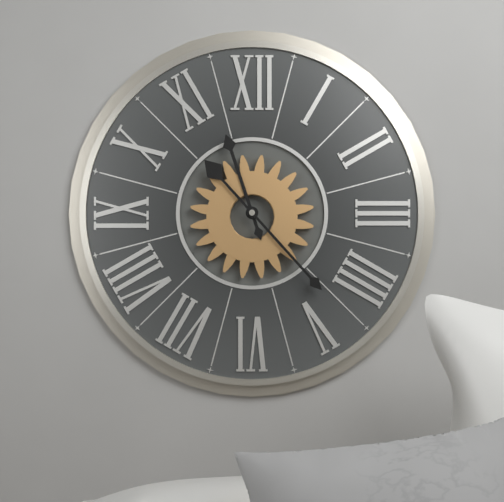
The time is 11,23
